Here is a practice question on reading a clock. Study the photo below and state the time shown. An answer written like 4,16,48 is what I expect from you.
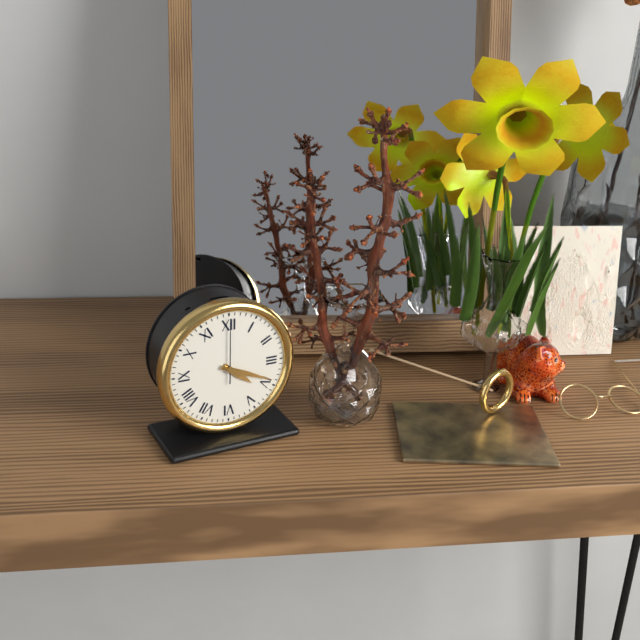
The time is 4,19,00
